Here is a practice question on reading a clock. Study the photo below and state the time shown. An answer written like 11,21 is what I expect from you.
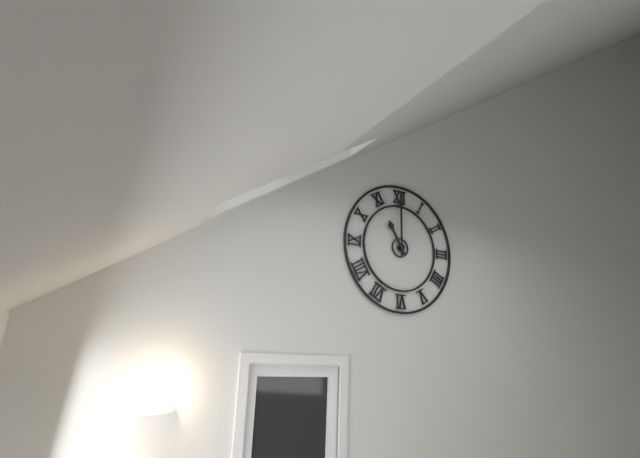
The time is 11,00
